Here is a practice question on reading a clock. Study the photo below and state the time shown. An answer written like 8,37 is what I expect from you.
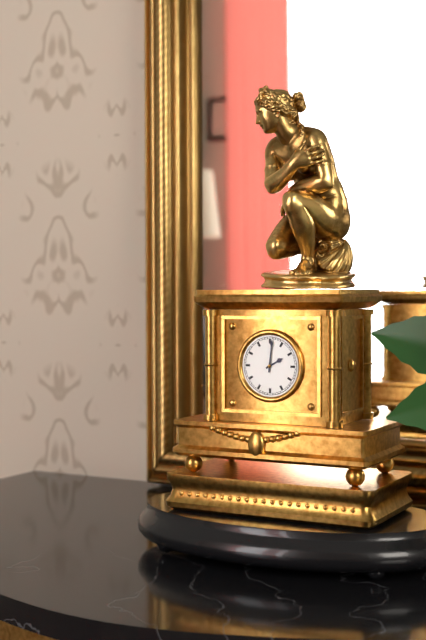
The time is 2,01
